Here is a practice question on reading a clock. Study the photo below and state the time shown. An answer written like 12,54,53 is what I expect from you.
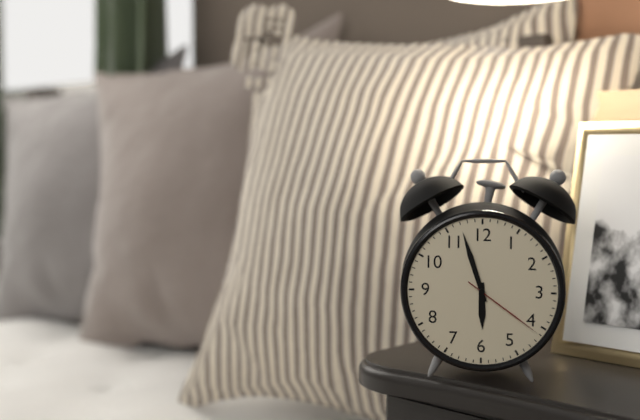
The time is 5,57,21
